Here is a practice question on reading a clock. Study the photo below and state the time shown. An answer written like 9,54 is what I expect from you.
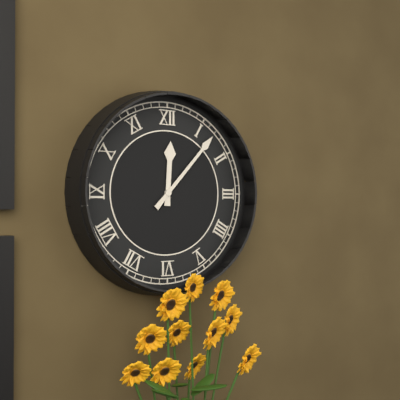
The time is 12,07
